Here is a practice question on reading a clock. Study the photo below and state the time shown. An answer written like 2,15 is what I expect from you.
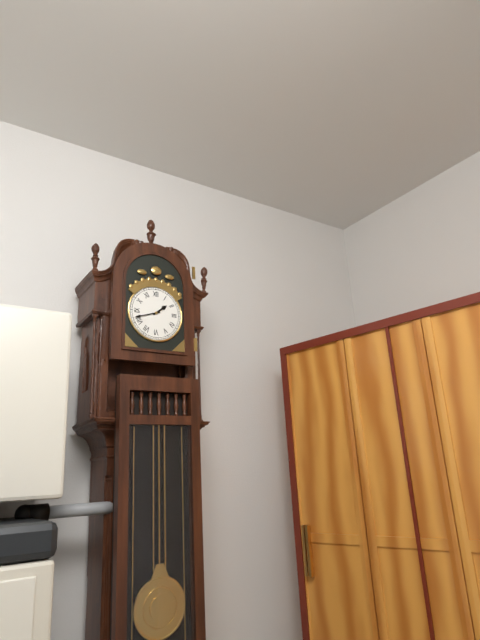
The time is 1,42
